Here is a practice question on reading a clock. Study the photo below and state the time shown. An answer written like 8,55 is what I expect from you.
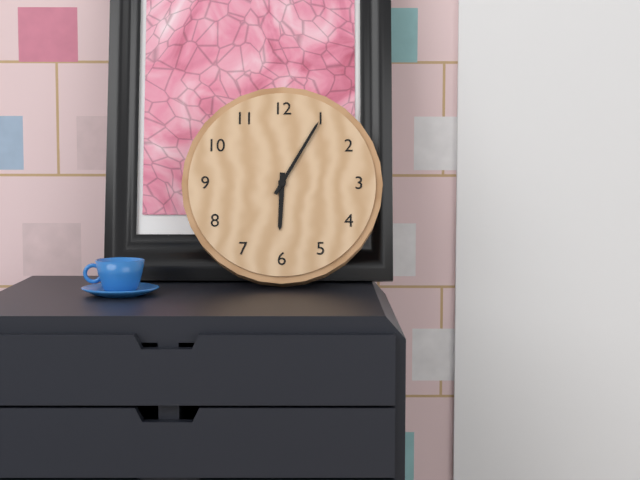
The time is 6,05
